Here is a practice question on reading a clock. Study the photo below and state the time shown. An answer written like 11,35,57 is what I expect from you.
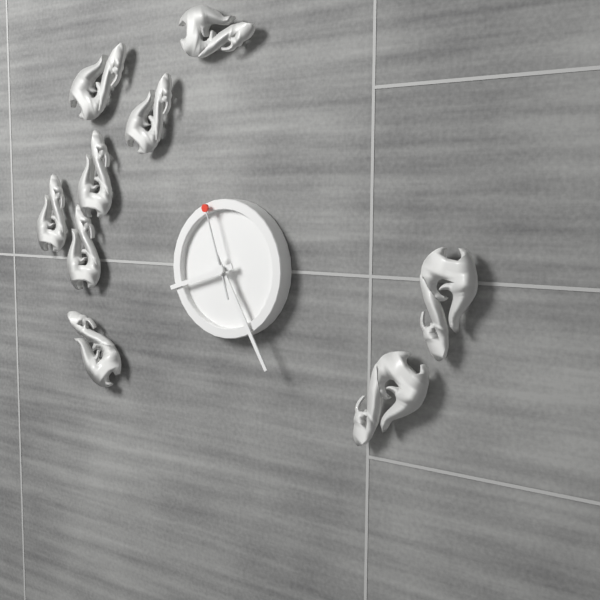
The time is 8,25,57
